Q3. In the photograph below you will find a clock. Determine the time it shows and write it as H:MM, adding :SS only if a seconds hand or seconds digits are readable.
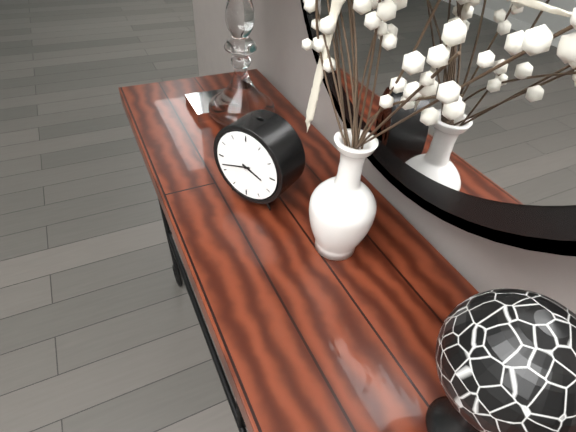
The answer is 3:42
